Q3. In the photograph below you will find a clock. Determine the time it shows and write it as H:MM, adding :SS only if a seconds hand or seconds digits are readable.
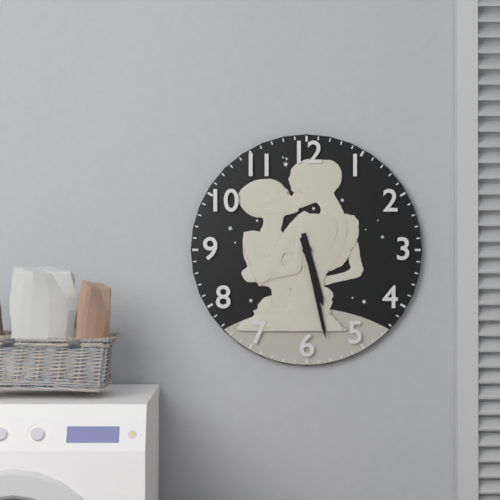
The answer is 5:28
